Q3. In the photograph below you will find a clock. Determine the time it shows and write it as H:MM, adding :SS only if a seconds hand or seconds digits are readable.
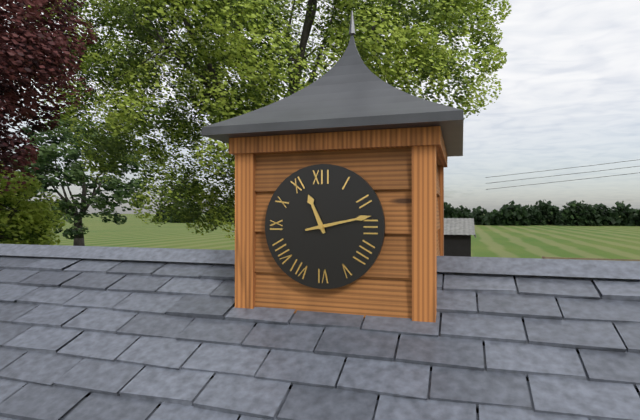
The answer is 11:13
